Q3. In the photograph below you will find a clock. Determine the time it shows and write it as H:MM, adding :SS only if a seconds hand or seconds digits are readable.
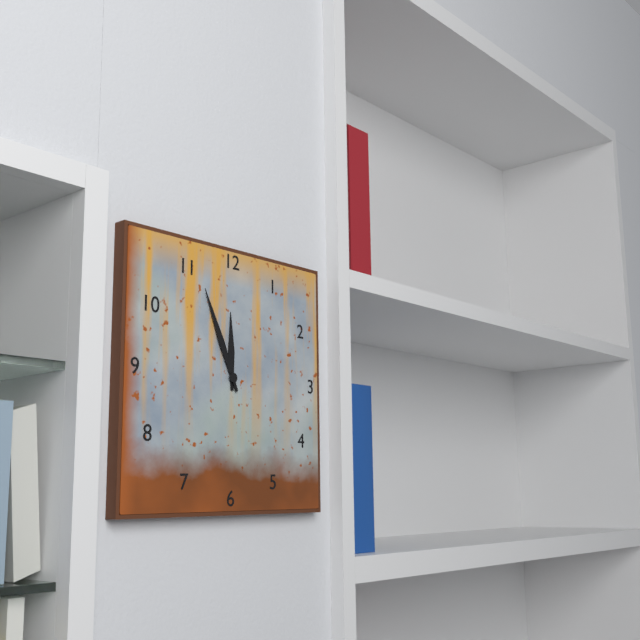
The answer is 11:56
